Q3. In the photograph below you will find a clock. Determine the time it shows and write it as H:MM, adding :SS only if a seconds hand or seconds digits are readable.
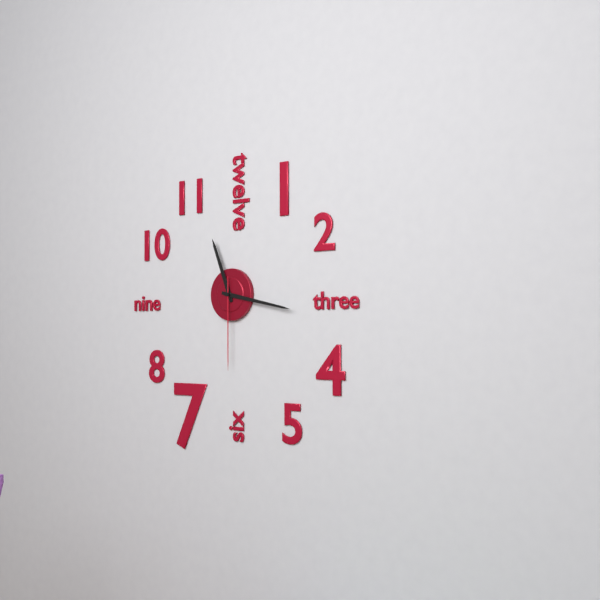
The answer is 11:17:30
